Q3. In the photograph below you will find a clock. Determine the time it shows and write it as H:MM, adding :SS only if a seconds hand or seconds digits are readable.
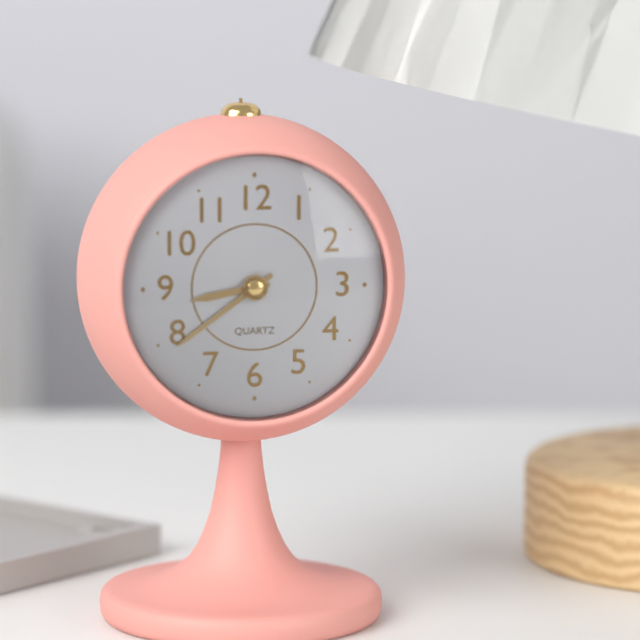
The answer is 8:39
